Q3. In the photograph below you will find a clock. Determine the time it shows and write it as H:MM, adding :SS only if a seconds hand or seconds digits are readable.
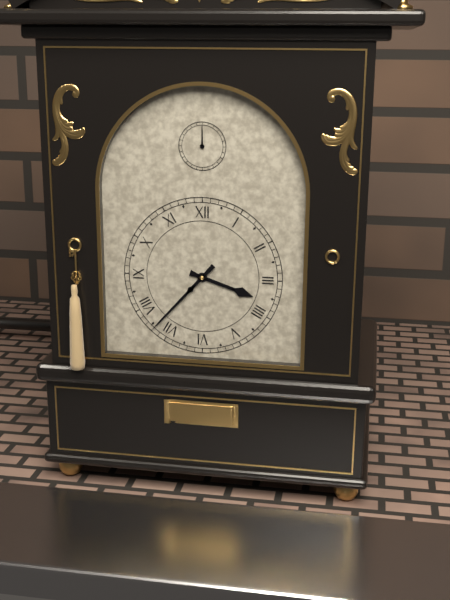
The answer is 3:37
